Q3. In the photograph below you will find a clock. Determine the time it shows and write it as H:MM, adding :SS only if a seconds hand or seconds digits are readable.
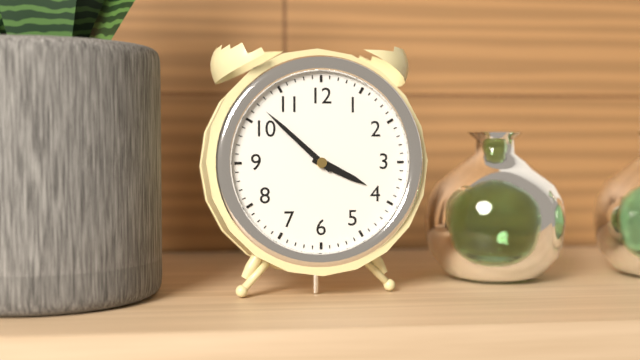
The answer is 3:52
